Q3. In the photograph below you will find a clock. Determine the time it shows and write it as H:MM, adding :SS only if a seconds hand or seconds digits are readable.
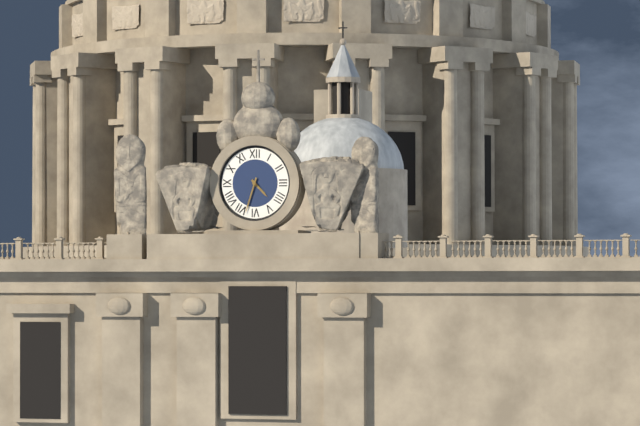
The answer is 4:33
